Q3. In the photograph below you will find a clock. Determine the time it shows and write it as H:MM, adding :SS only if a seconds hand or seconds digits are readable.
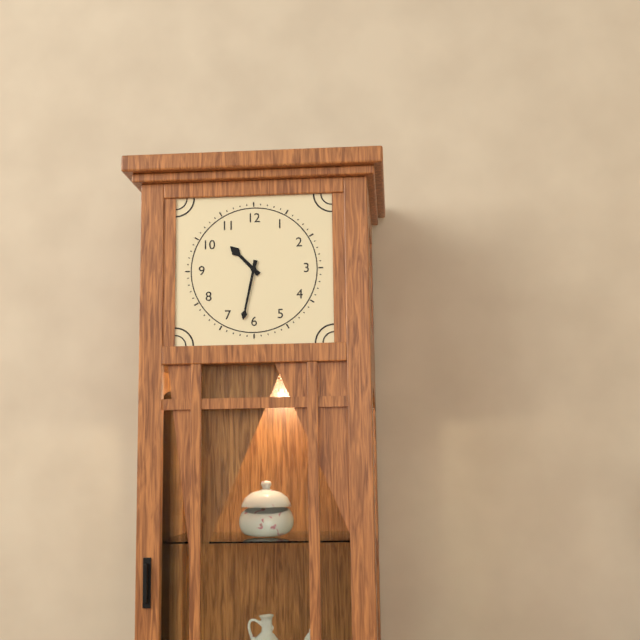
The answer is 10:32
